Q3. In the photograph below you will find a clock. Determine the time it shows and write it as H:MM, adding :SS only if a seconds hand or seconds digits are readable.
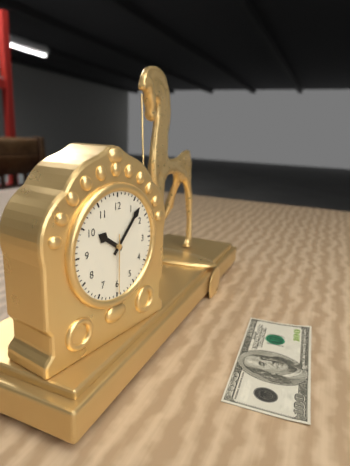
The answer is 10:07:30
